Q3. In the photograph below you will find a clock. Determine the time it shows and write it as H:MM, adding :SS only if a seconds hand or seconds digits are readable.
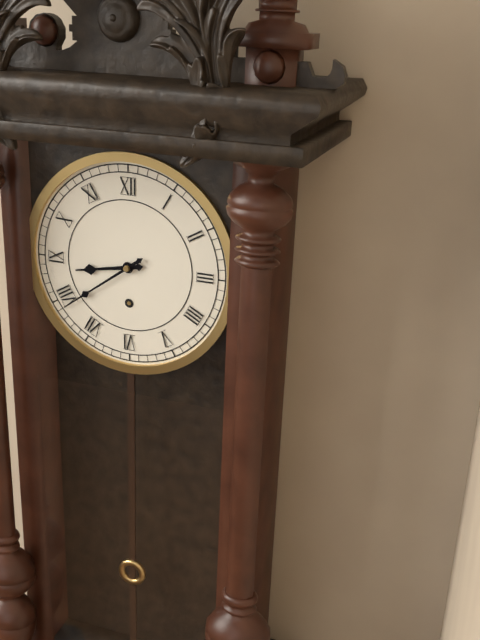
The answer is 8:39
